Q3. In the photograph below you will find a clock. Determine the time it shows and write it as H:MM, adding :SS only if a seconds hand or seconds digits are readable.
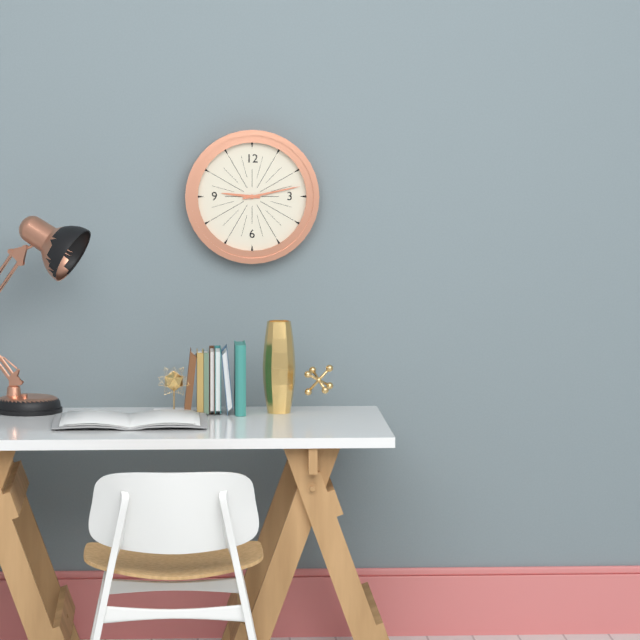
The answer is 9:13
